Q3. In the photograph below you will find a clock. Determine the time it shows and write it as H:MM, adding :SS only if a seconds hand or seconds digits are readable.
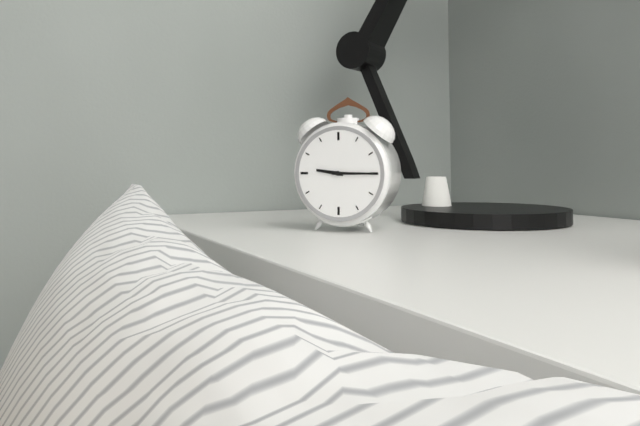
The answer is 9:15
